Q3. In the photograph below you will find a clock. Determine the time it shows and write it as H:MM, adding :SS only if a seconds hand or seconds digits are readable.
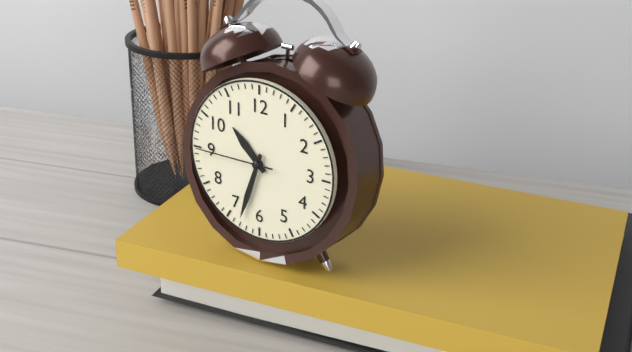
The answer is 10:33:45
